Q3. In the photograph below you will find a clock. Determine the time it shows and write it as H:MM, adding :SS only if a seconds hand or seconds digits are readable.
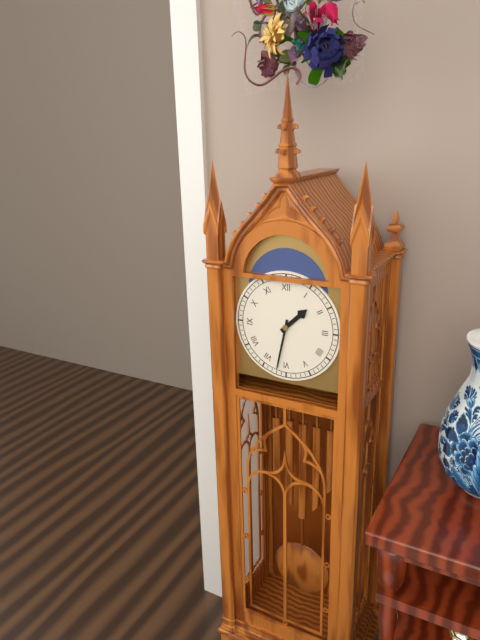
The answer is 1:32
